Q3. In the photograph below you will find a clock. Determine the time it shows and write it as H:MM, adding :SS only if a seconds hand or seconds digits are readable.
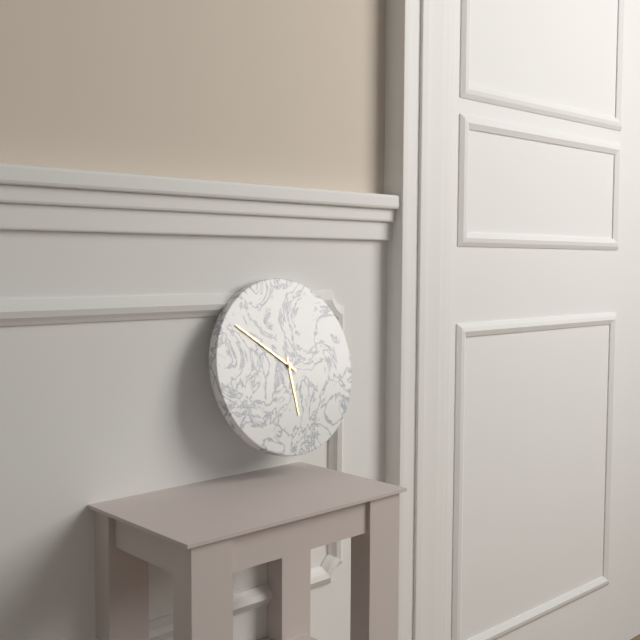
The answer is 5:51
